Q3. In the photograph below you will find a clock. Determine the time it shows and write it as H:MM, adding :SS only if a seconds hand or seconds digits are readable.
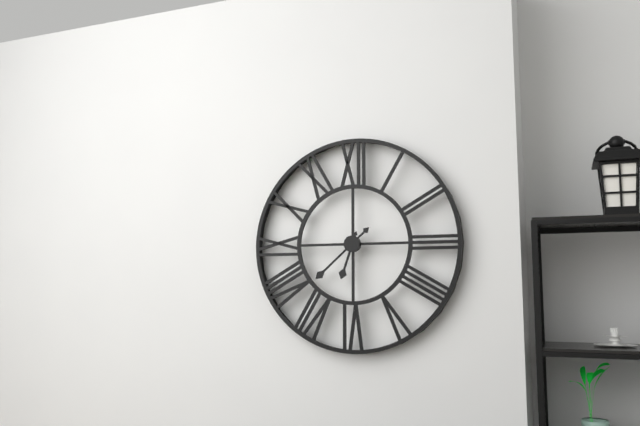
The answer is 6:38
